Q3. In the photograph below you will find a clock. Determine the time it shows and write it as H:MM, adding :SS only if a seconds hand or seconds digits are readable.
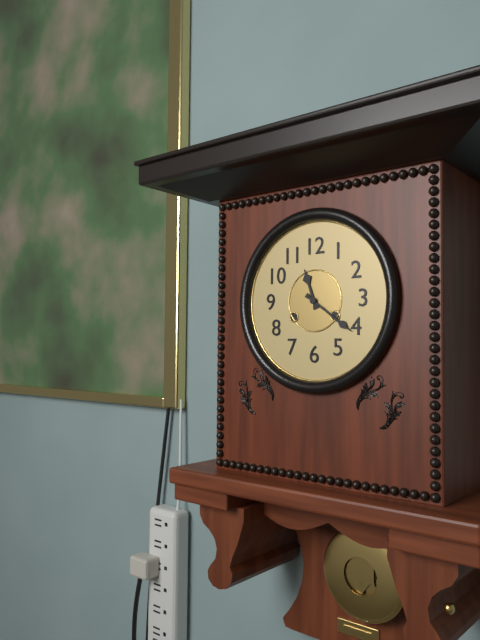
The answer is 11:21
